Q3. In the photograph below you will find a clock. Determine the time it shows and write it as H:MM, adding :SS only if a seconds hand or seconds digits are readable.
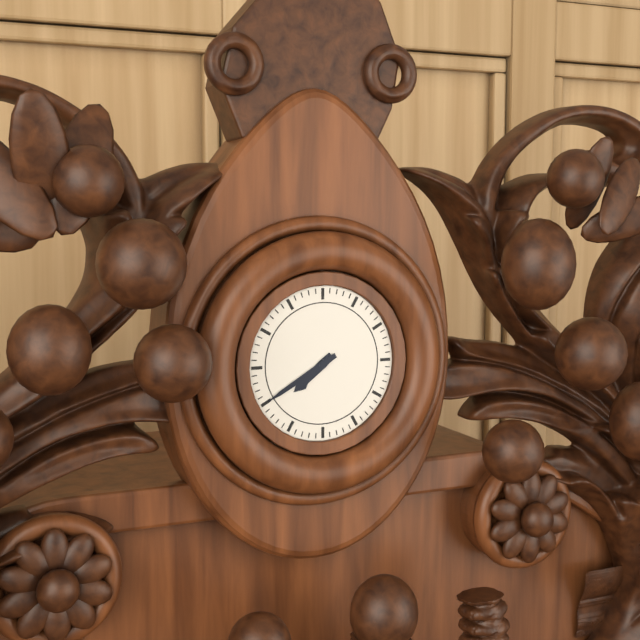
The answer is 7:40
